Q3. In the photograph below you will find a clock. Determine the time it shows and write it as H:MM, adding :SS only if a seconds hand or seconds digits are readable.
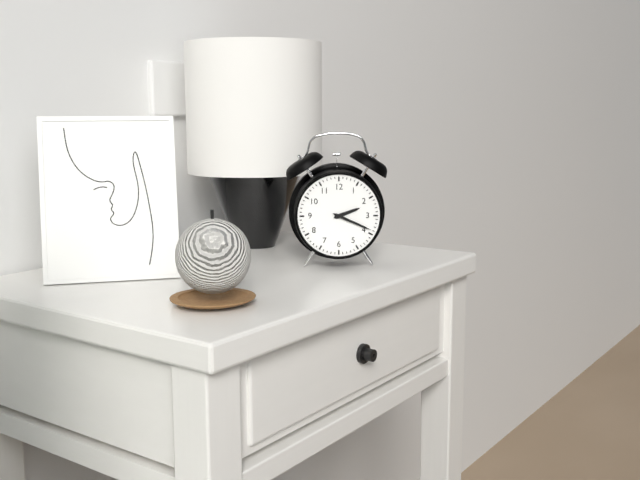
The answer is 2:19
